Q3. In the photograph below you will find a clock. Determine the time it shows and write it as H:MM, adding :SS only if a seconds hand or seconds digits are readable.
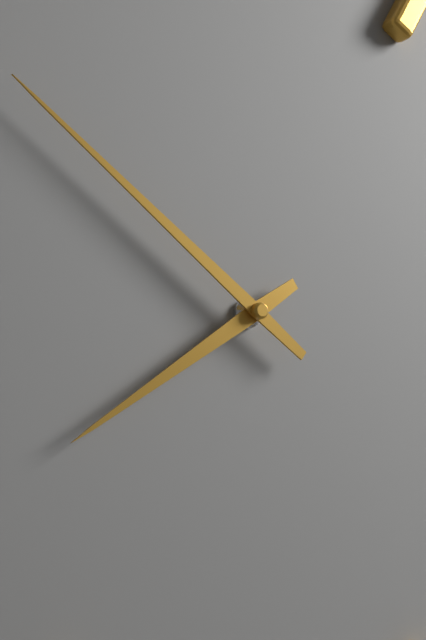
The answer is 7:51
